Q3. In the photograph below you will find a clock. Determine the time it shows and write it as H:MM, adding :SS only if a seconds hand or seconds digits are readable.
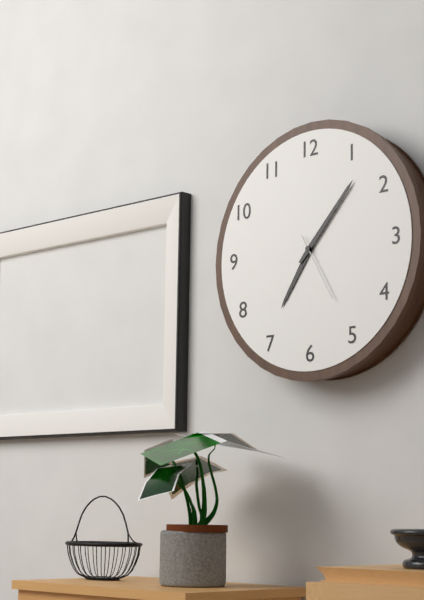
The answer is 7:07:25
